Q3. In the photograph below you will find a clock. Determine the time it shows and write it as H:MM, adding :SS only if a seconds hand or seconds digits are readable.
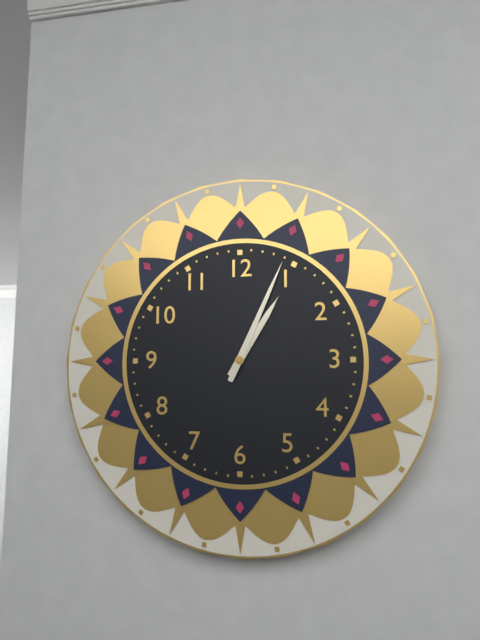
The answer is 1:04
